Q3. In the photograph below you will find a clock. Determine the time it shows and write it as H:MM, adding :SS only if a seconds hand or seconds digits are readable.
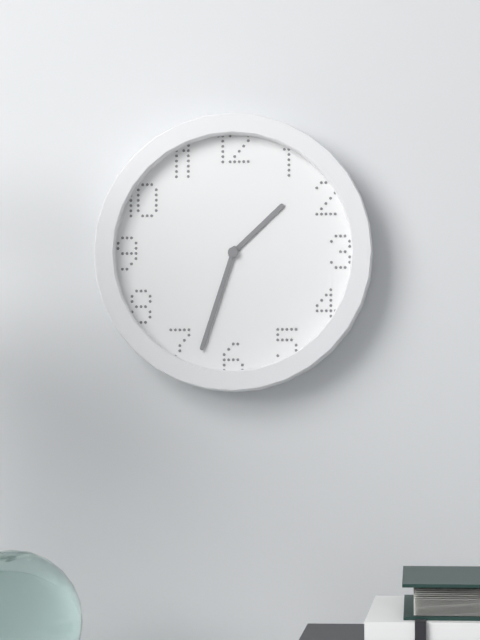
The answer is 1:33
